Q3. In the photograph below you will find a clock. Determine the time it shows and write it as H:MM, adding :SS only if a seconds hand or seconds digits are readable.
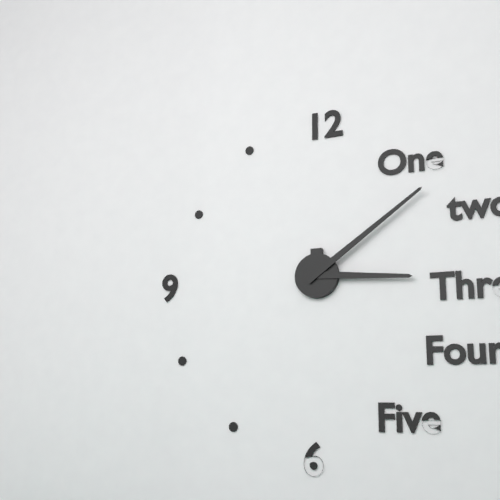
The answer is 3:09
